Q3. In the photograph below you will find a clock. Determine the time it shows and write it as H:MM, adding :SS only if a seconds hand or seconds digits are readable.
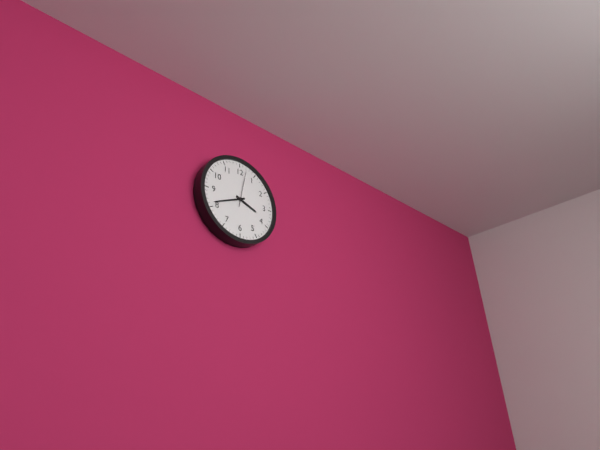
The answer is 3:41
